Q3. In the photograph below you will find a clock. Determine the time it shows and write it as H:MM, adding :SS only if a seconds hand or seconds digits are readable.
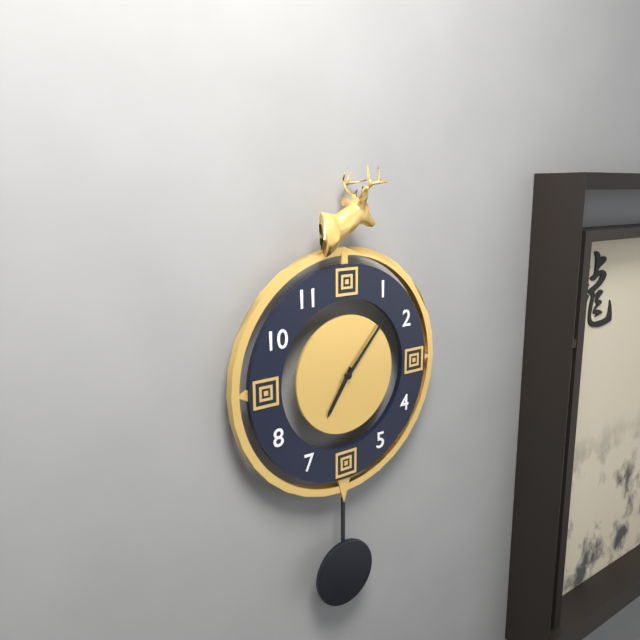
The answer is 7:07
